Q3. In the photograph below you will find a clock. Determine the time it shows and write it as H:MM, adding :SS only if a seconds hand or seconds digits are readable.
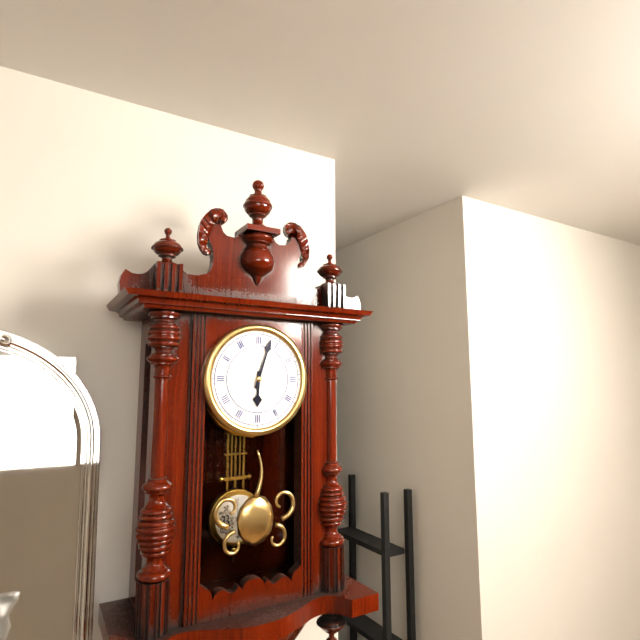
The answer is 6:03
